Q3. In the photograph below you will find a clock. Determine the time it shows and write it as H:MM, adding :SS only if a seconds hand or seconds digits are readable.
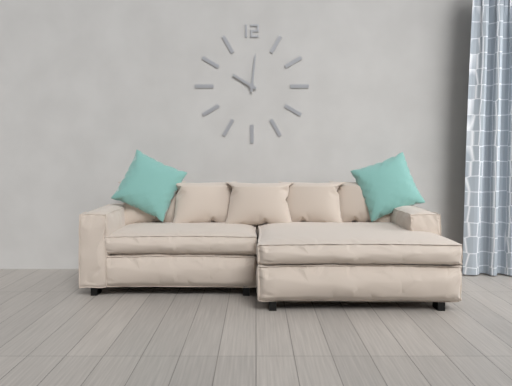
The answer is 10:01
